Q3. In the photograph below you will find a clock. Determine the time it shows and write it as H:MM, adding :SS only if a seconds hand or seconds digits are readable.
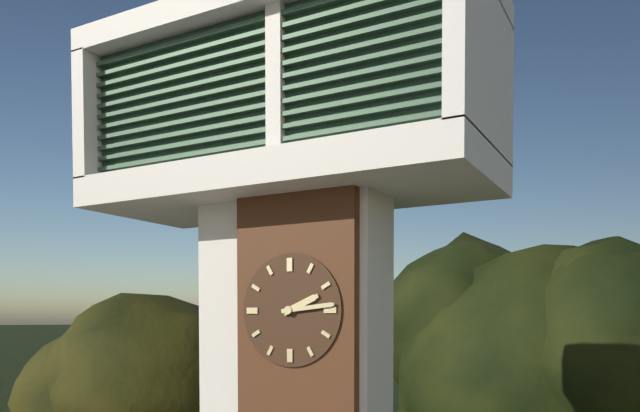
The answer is 2:14
